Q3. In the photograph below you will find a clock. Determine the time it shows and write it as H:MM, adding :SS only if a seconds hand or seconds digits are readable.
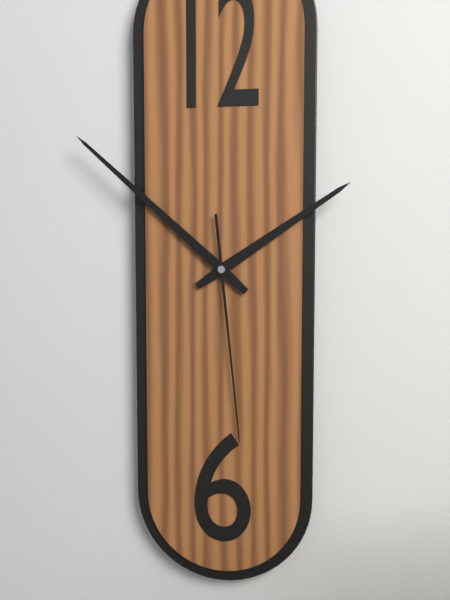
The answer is 1:52:29
